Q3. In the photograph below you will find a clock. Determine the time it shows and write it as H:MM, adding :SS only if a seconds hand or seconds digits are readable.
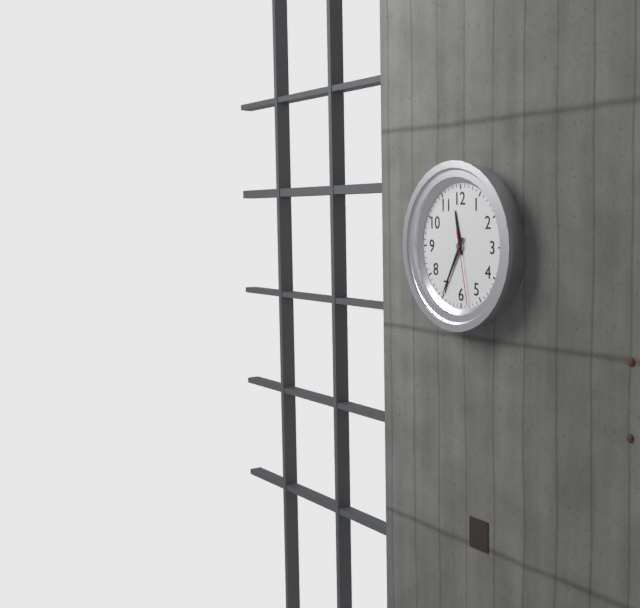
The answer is 11:35:28
